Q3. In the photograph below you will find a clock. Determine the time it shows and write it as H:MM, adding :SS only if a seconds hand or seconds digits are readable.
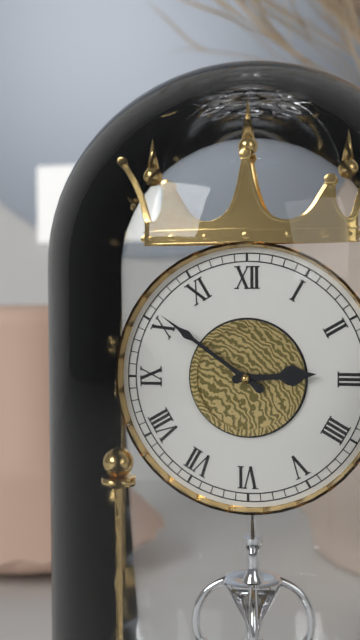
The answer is 2:51
